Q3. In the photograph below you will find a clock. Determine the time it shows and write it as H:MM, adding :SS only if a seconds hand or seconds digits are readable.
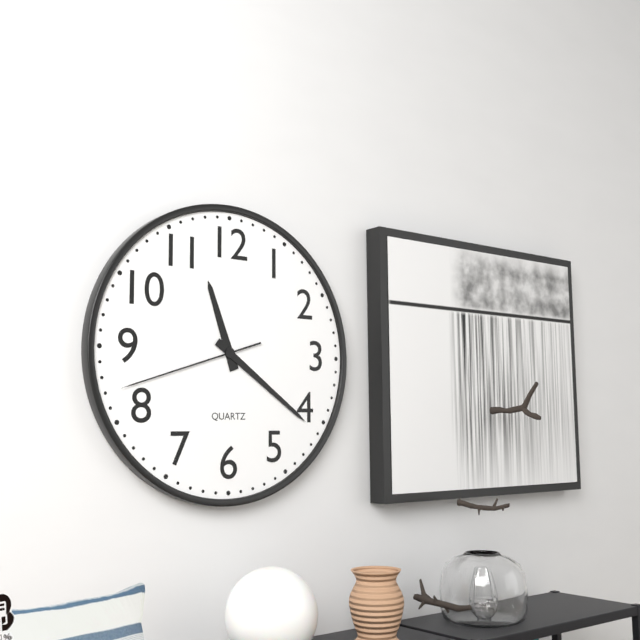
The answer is 11:21:42
